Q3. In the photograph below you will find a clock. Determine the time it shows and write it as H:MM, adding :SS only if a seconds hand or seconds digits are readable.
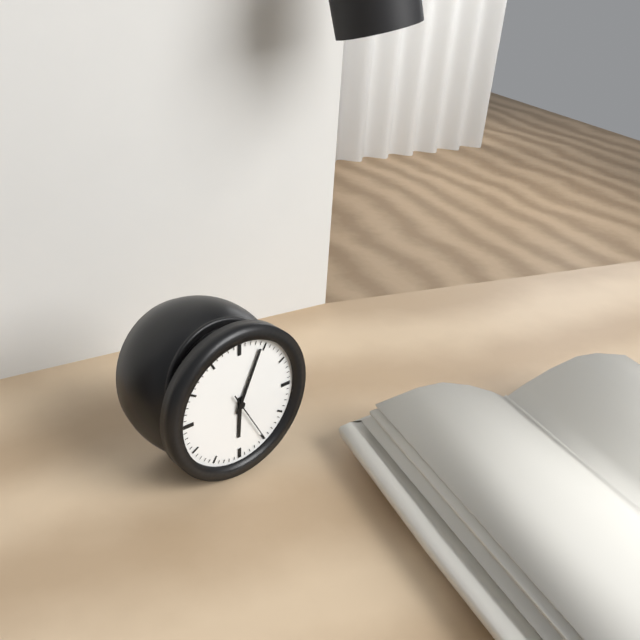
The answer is 6:04:25
